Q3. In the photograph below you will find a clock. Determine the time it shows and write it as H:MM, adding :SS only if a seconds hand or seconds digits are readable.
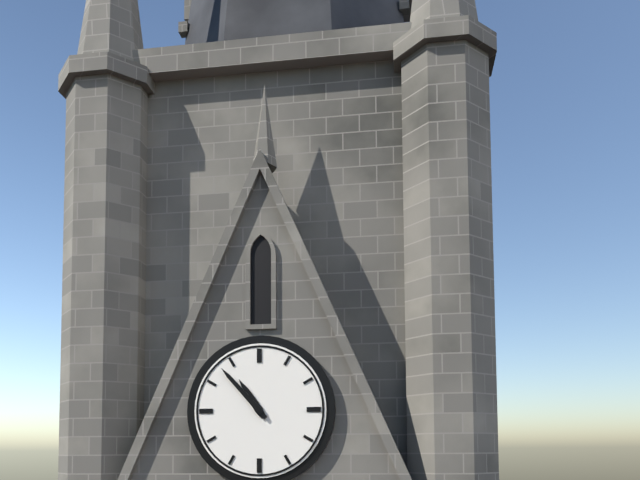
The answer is 10:53
